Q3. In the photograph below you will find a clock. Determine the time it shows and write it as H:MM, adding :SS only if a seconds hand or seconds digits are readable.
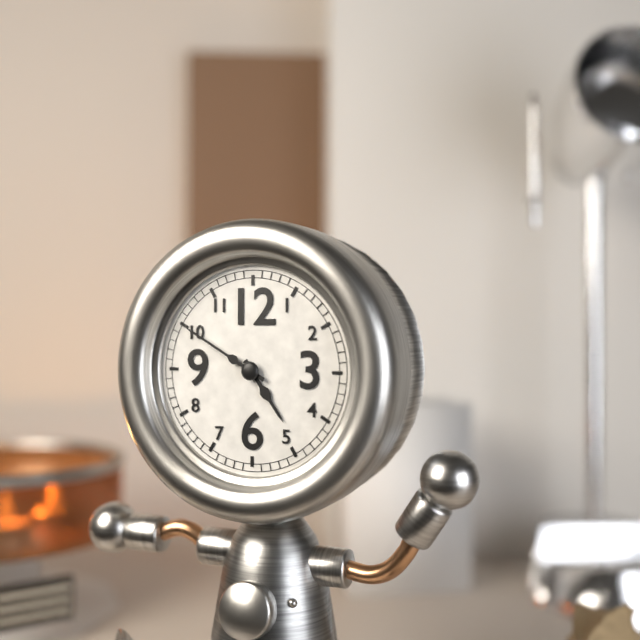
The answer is 4:50
